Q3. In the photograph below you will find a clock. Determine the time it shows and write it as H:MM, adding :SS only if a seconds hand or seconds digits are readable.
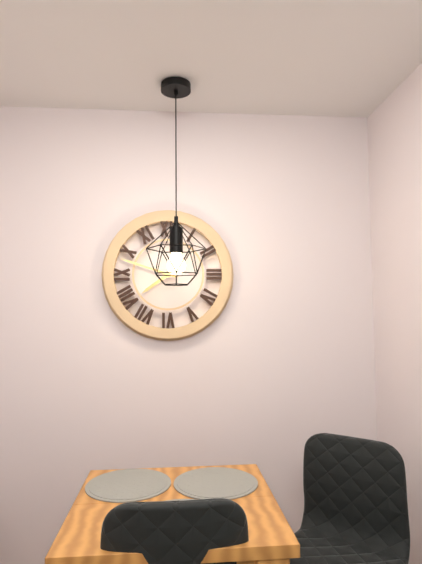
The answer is 7:48
